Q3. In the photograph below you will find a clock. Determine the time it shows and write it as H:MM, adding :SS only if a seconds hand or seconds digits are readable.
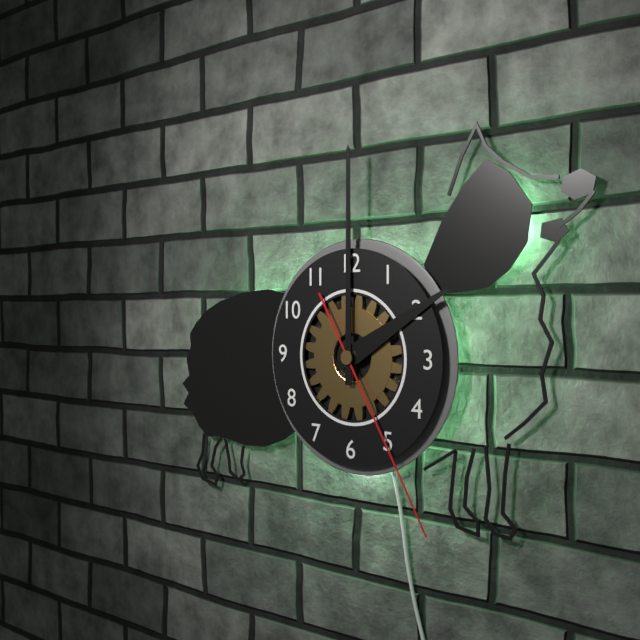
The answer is 2:00:25
